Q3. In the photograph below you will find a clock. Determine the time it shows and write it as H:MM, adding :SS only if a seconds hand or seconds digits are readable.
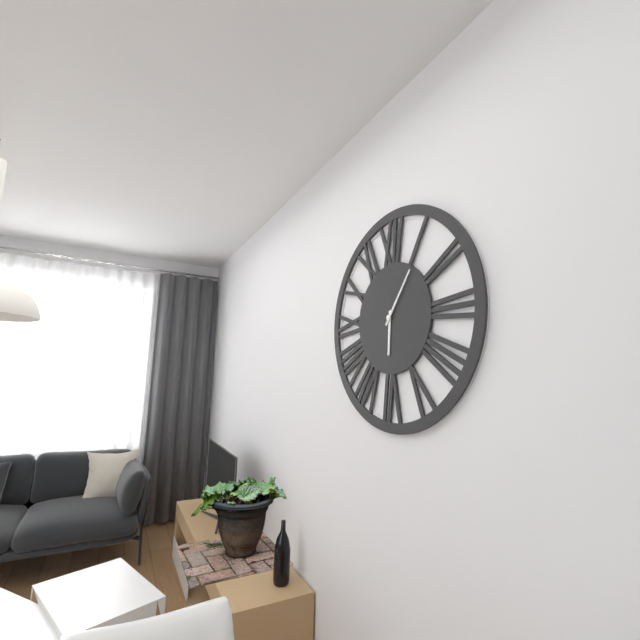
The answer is 6:06
